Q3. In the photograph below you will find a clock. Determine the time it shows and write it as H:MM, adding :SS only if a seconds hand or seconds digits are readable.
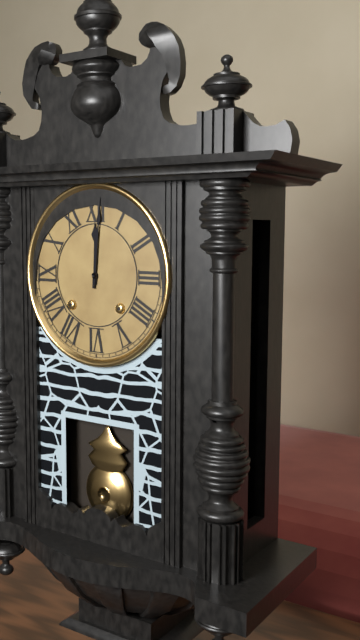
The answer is 12:01
